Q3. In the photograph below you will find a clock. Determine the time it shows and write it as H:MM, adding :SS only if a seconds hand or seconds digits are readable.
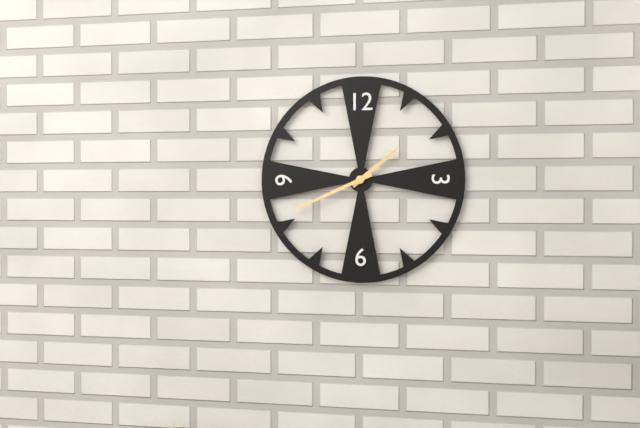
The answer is 1:41
